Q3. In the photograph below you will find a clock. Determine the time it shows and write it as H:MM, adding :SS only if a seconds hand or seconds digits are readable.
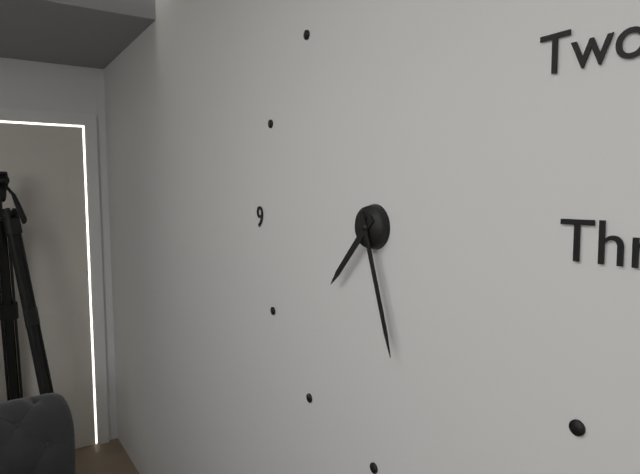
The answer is 7:27
